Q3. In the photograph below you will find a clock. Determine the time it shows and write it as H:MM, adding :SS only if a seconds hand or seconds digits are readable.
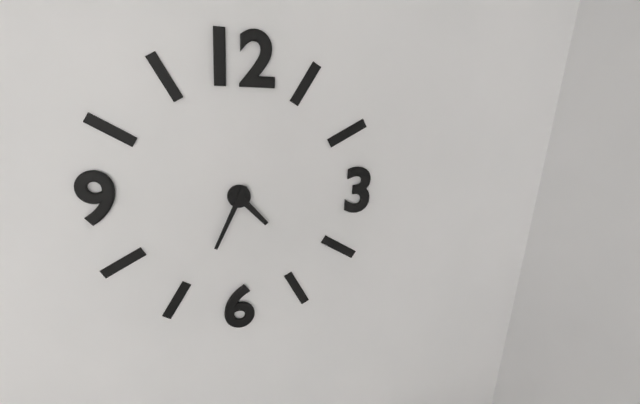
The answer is 4:34
